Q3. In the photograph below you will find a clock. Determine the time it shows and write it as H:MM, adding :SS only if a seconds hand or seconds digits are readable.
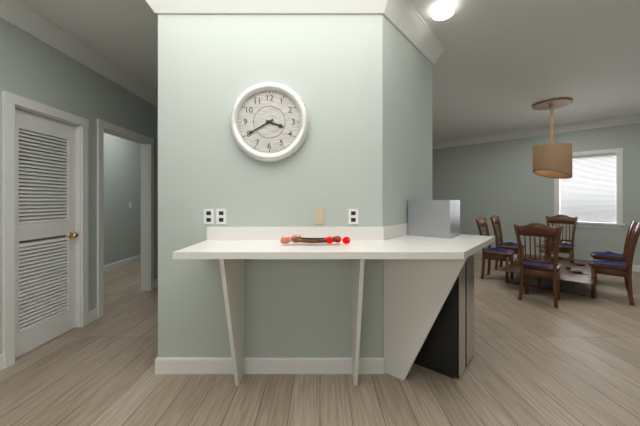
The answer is 3:40
